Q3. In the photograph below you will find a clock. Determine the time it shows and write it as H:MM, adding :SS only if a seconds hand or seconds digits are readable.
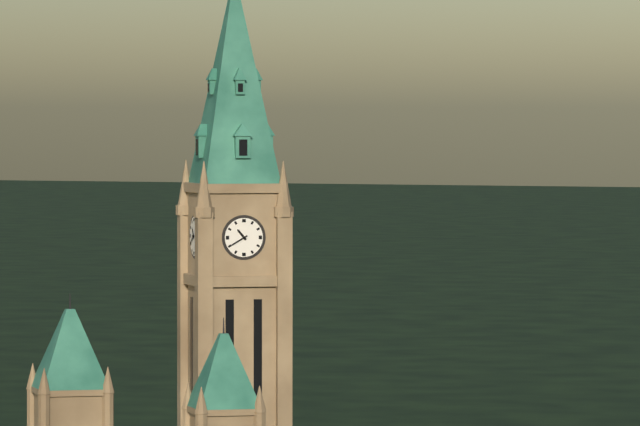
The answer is 10:40
